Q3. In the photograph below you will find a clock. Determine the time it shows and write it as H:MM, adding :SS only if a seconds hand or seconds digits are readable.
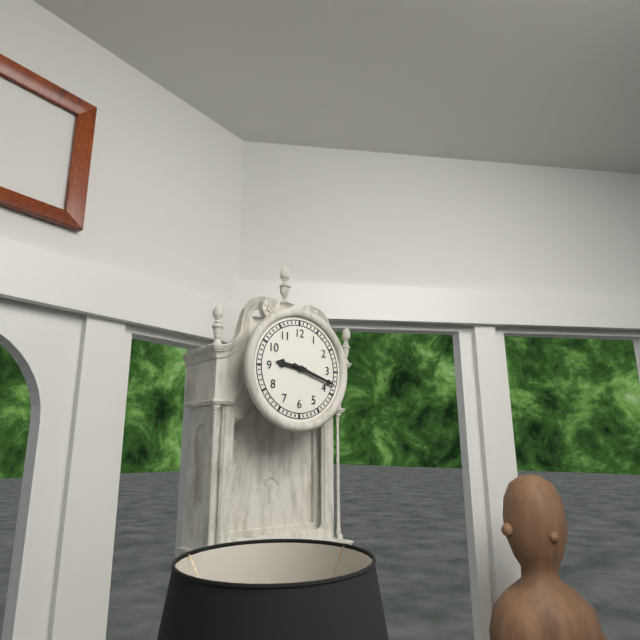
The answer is 9:18
